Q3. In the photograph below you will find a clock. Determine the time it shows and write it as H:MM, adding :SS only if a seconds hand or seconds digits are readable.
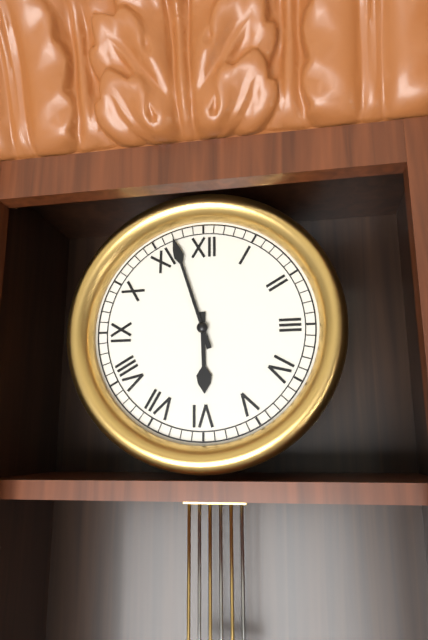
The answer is 5:57
